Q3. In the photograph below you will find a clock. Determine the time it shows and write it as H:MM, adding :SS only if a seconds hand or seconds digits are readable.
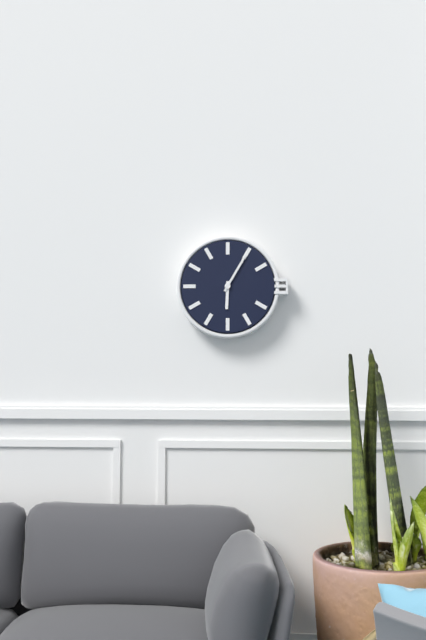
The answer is 6:05
